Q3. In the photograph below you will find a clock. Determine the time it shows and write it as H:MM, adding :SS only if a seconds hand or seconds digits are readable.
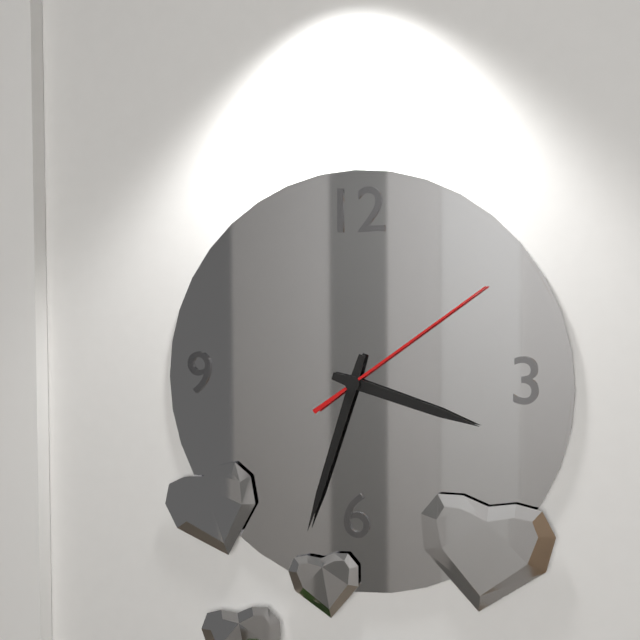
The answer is 3:33:09
